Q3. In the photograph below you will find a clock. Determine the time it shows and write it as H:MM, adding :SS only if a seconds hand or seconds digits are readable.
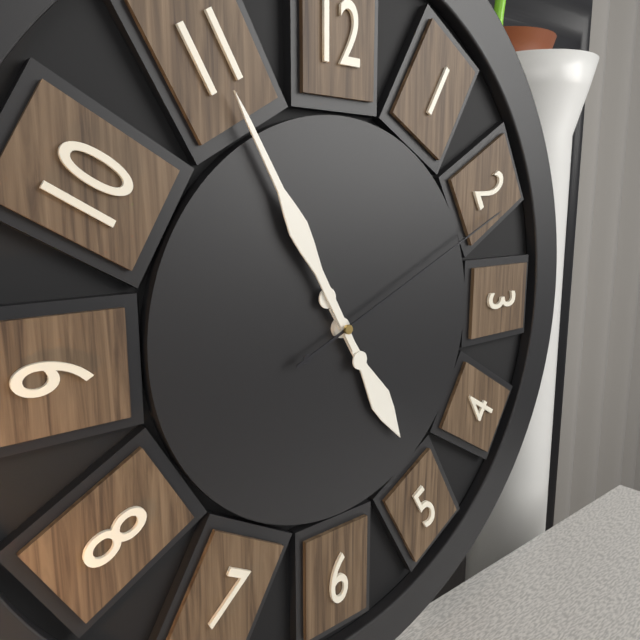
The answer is 4:55:11
